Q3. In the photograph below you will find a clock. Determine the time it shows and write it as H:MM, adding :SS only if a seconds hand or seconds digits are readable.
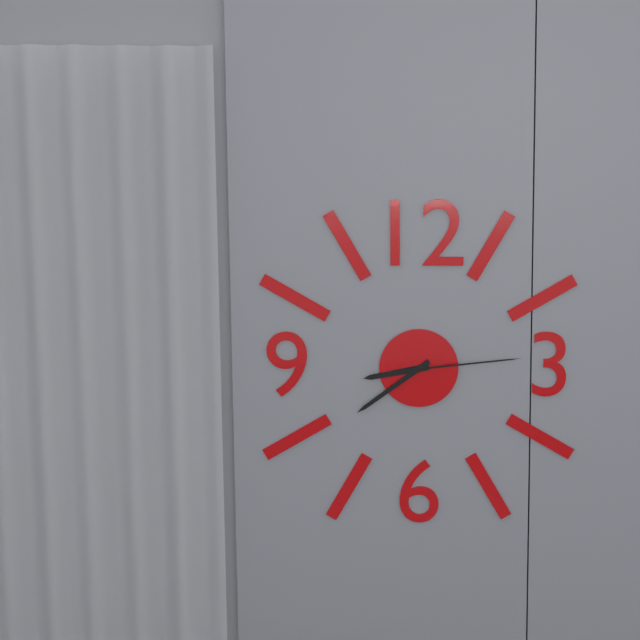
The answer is 8:39:14
